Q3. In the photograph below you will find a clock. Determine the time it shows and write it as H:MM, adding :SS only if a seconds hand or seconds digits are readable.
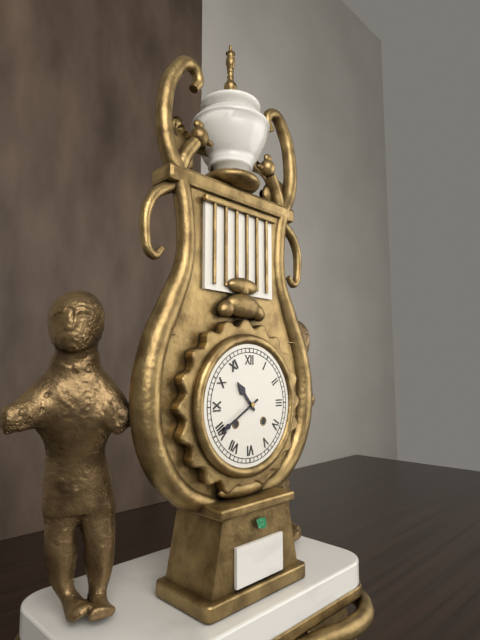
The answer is 10:40
